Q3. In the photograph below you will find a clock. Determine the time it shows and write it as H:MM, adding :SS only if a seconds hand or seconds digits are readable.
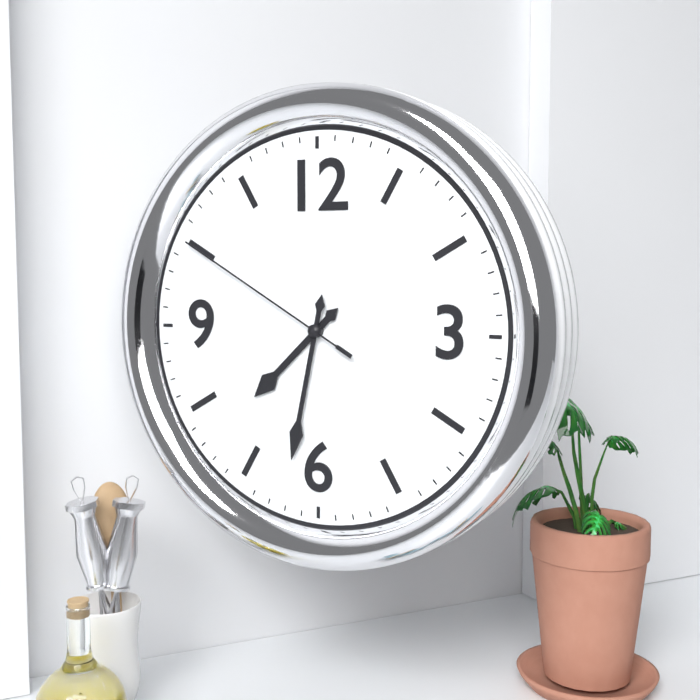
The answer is 7:32:50
